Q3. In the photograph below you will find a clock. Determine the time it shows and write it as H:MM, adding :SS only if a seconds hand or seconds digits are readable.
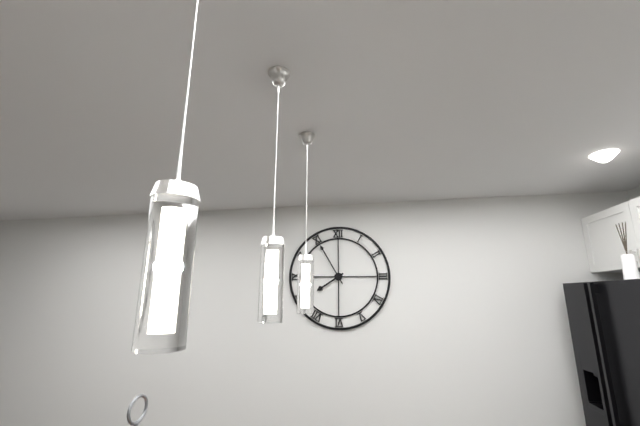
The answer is 7:55
